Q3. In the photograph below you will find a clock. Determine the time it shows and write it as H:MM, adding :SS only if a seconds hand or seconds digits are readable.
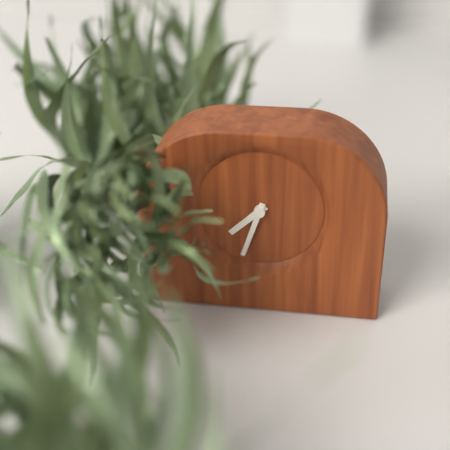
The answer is 7:33
